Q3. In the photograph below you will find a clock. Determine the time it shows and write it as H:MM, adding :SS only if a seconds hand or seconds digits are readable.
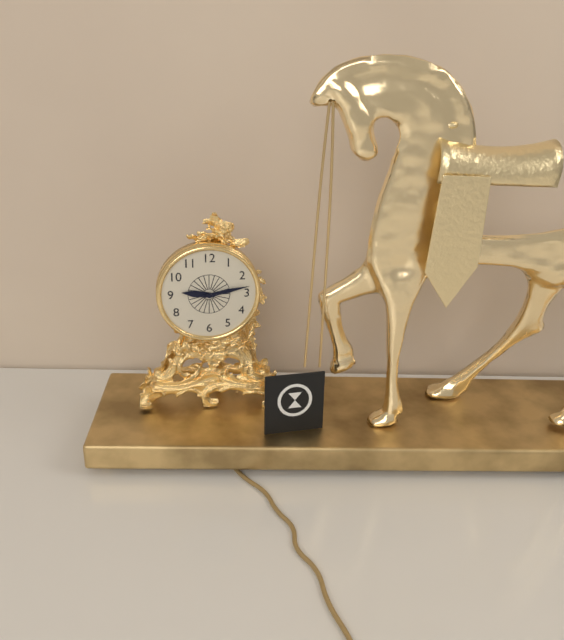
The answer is 9:13
